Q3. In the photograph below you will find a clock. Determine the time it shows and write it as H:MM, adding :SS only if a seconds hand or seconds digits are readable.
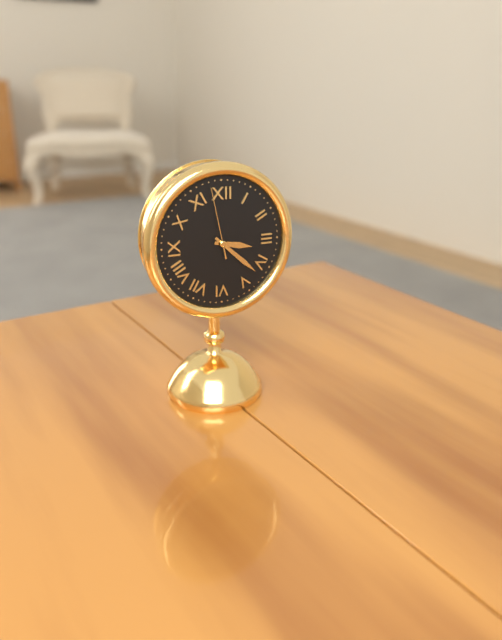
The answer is 3:22:58
